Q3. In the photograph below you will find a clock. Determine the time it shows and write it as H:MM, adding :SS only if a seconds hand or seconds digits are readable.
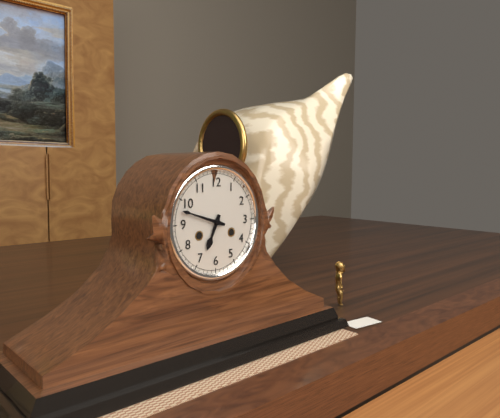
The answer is 6:48
